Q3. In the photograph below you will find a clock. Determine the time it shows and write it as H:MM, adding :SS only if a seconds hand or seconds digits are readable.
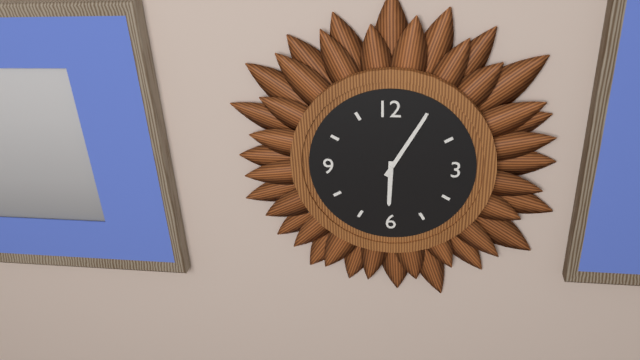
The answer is 6:05
